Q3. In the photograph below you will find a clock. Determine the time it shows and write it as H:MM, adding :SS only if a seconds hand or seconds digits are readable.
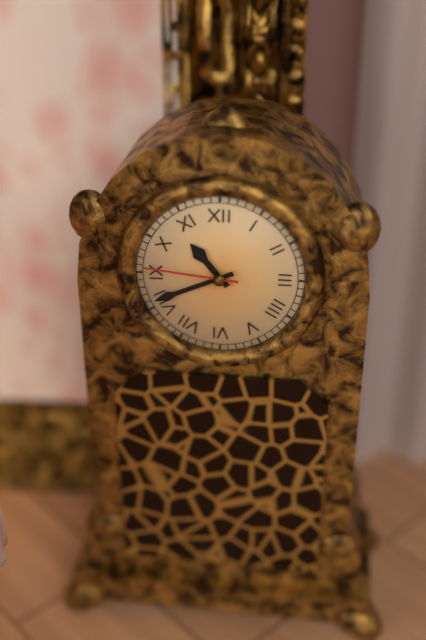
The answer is 10:41:46
